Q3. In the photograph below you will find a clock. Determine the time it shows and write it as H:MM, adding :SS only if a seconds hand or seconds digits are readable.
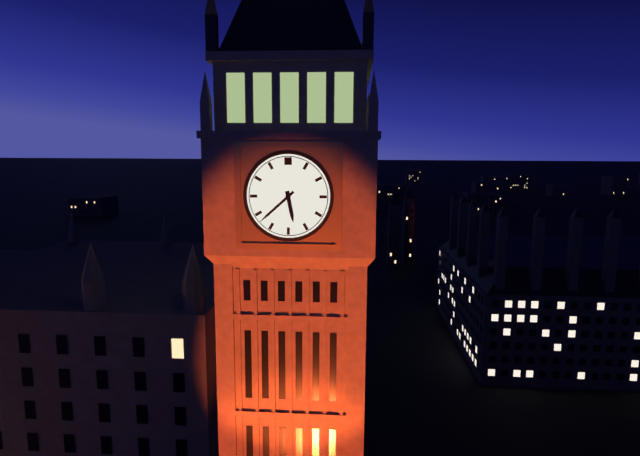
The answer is 5:38
